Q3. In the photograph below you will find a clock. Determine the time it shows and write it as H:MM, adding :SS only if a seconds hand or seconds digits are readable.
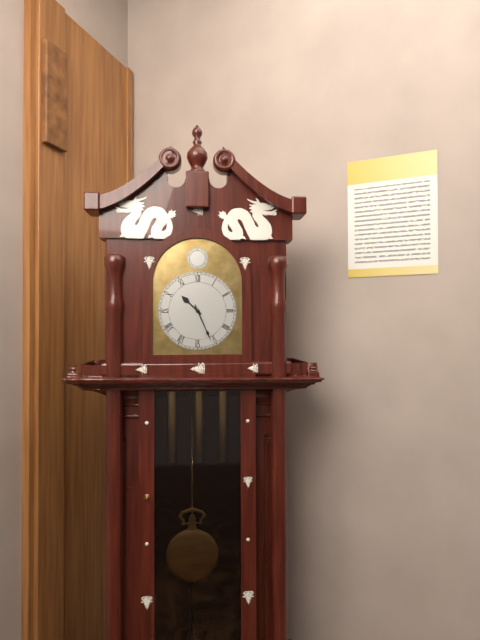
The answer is 10:26
